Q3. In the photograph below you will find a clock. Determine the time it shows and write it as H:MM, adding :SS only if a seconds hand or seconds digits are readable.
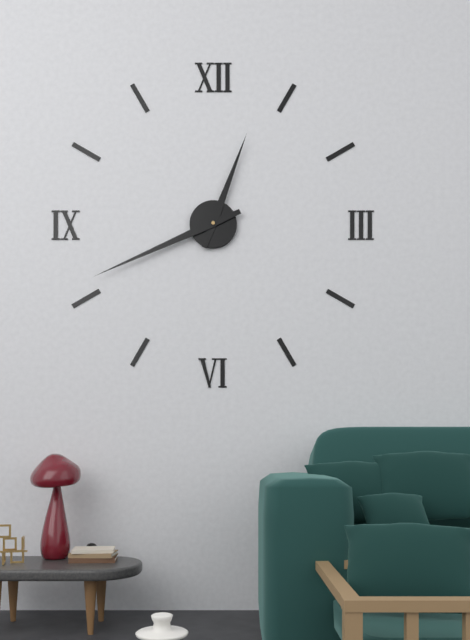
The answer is 12:41
